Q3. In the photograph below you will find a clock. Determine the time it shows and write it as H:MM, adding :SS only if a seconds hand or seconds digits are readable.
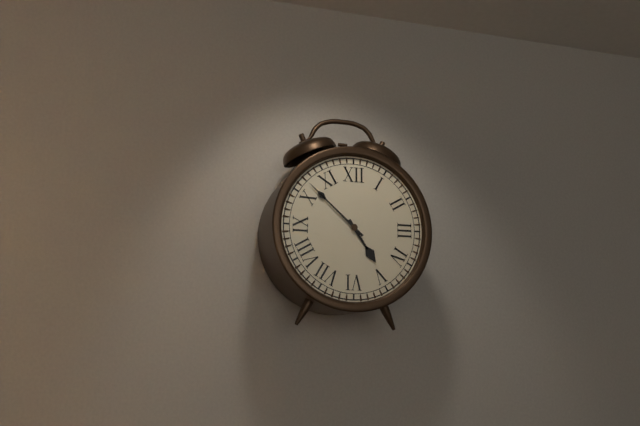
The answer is 4:52
